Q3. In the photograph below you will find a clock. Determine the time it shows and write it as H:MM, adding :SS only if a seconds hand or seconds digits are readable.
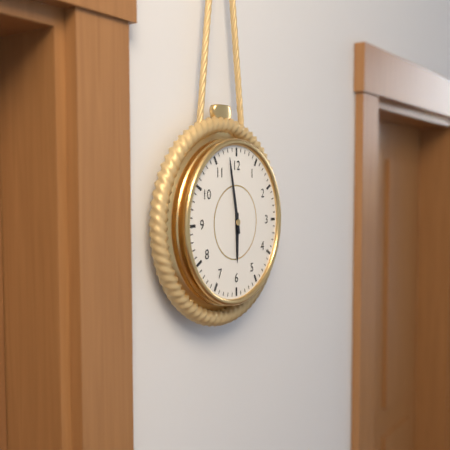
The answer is 5:58
